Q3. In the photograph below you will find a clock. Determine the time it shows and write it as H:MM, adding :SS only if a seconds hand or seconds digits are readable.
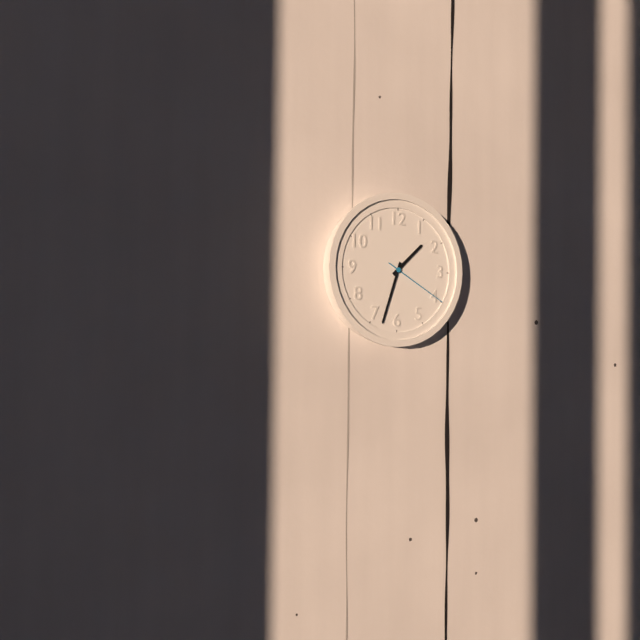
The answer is 1:33:20
